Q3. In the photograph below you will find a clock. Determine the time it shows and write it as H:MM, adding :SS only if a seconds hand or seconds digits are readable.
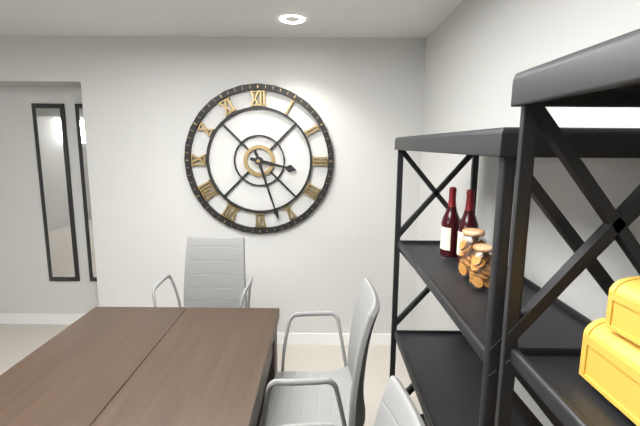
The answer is 3:27
